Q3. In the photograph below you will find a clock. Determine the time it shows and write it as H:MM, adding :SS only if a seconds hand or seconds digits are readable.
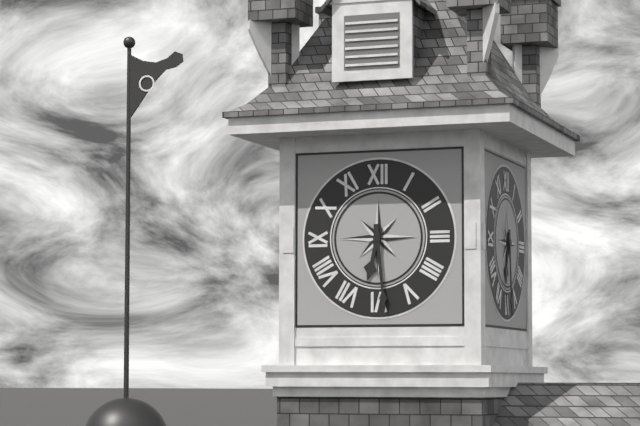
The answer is 6:29
